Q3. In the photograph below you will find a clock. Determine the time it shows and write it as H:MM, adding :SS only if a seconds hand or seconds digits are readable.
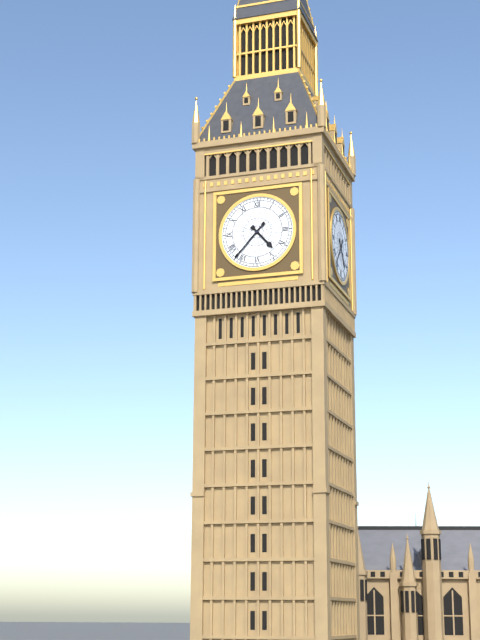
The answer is 4:37
